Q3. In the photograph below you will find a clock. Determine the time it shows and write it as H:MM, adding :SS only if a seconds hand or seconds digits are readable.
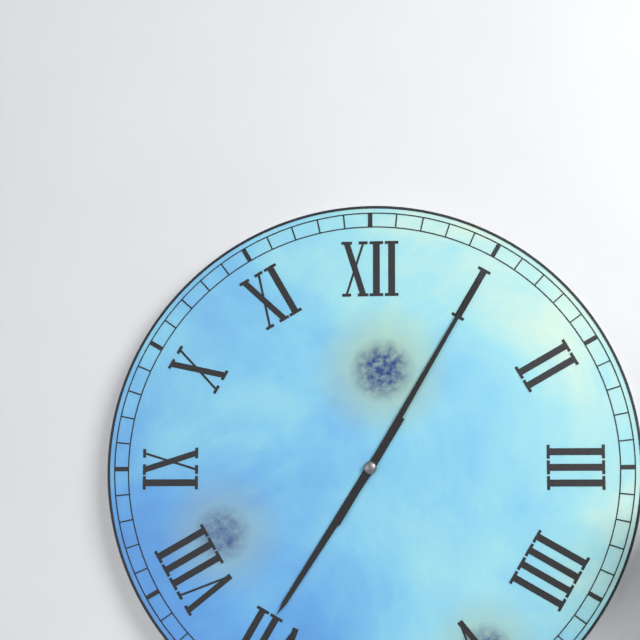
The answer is 7:05
